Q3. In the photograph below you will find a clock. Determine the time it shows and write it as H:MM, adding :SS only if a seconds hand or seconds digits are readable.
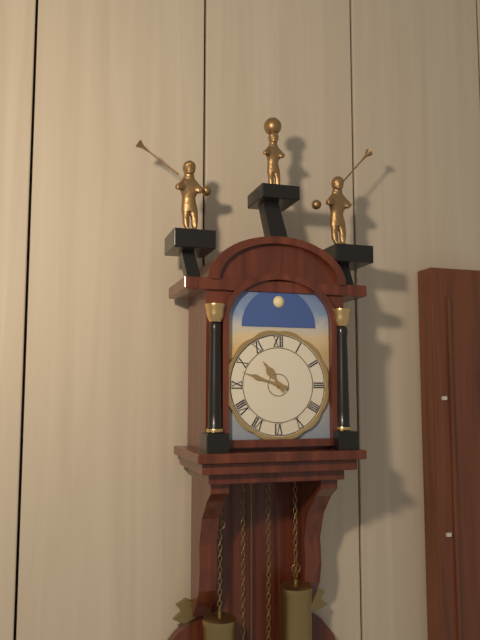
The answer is 10:48
